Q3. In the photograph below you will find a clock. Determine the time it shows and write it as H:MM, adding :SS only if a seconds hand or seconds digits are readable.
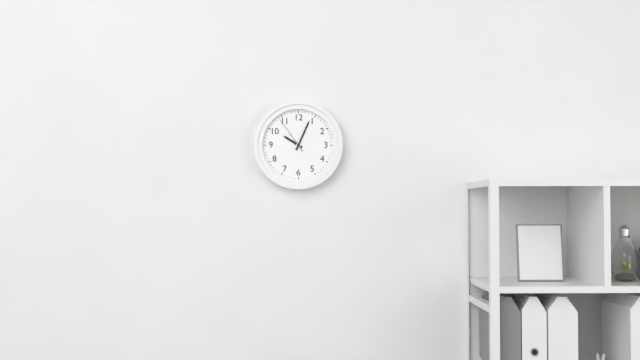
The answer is 10:04
